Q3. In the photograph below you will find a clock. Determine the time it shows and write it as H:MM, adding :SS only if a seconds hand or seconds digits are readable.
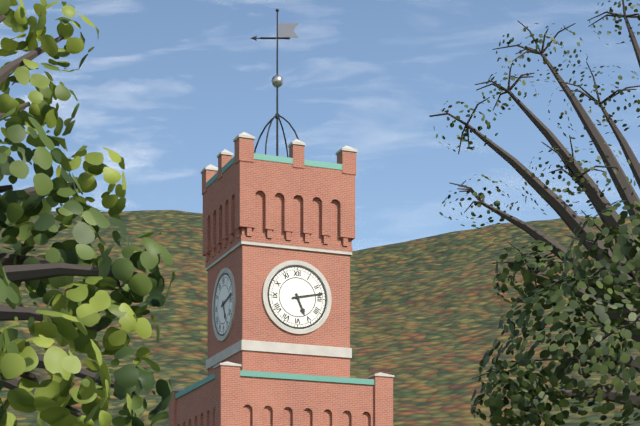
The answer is 5:13
